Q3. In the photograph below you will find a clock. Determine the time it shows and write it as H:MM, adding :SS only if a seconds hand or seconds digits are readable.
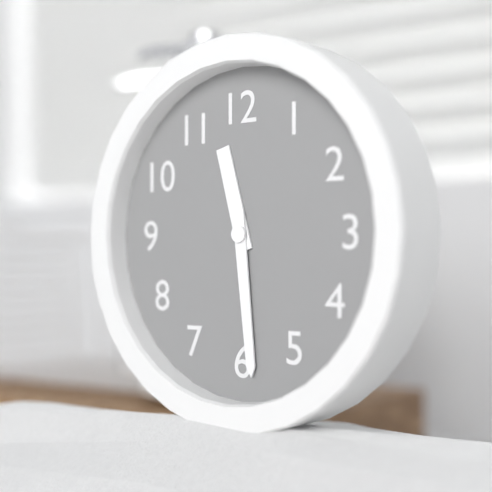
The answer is 11:29
